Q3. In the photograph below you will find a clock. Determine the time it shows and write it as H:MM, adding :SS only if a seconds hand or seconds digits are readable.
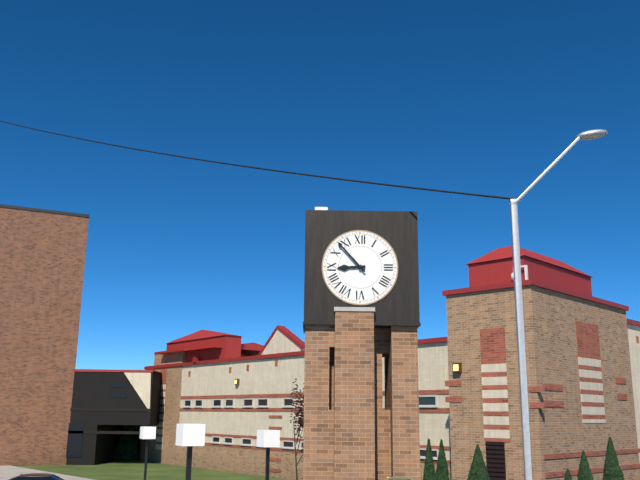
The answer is 8:53
